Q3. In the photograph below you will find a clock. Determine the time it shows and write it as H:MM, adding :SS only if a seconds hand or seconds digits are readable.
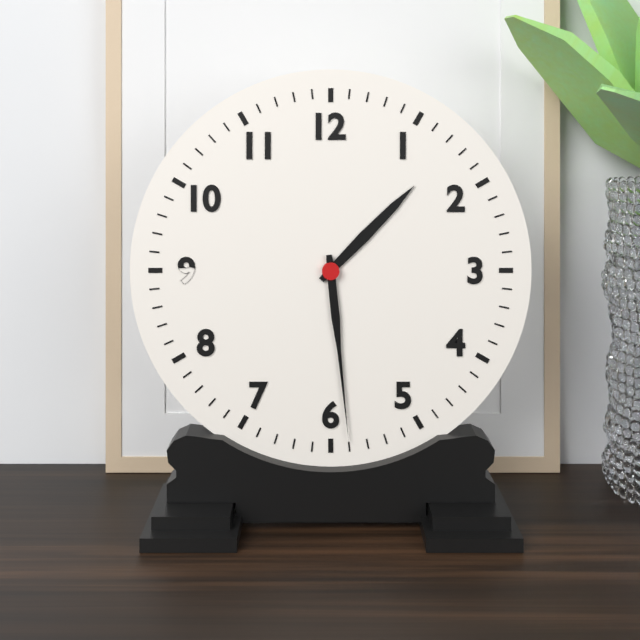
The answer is 1:29
